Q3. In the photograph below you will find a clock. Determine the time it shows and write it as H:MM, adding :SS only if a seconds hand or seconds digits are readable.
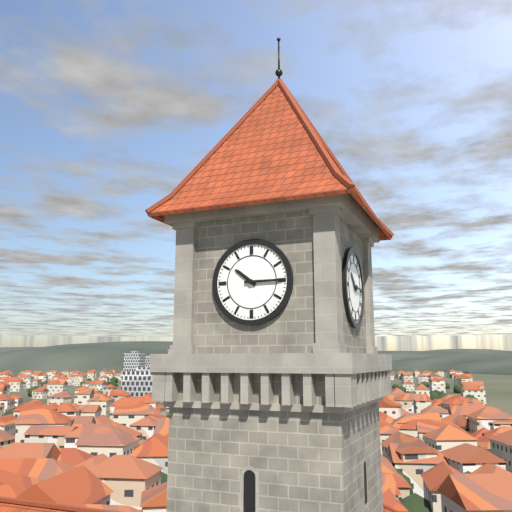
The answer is 10:15
